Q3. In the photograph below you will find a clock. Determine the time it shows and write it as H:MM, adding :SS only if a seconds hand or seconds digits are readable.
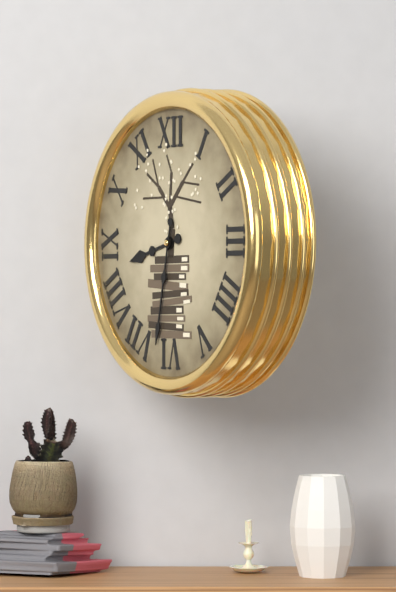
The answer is 8:32
